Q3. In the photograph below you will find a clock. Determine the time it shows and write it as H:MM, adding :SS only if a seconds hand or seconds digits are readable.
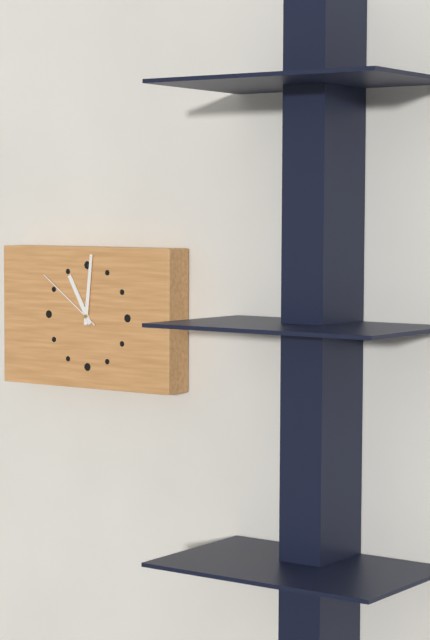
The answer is 11:01:51
